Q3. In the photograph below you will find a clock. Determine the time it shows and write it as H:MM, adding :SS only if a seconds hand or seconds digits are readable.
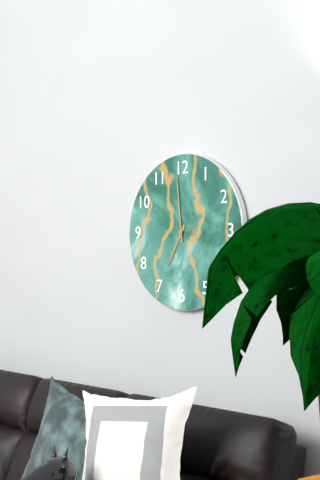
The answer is 6:59
